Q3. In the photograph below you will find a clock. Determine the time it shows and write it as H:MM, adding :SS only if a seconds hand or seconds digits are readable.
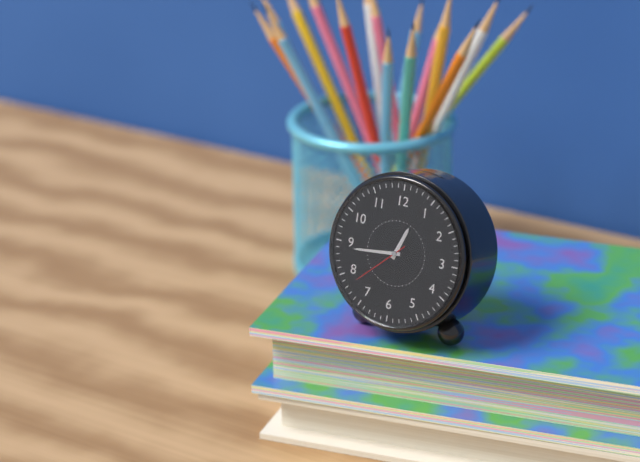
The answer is 12:44:38
